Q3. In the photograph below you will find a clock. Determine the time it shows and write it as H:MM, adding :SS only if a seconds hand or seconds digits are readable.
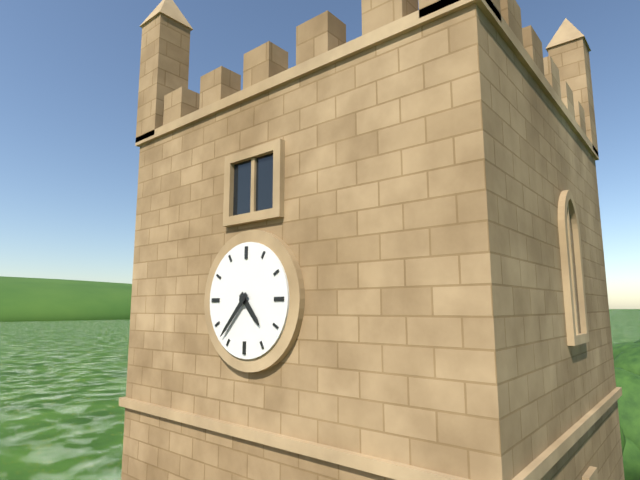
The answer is 4:37
